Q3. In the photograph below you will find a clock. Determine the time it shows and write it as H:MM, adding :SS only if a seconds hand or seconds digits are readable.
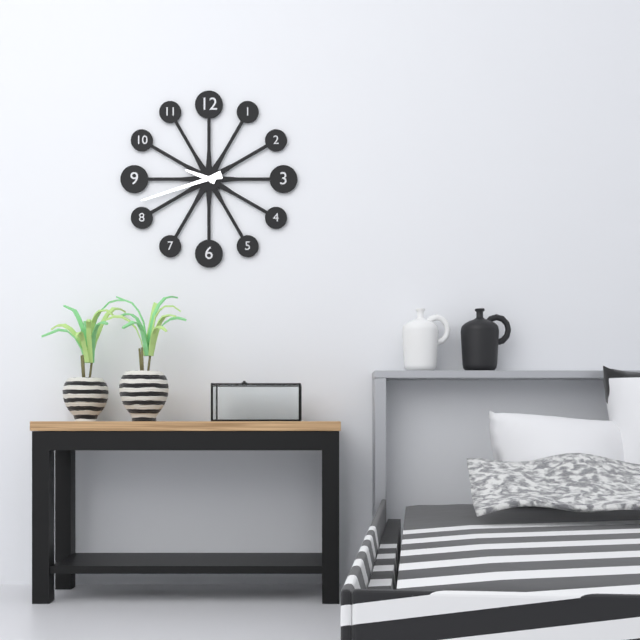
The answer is 9:42
